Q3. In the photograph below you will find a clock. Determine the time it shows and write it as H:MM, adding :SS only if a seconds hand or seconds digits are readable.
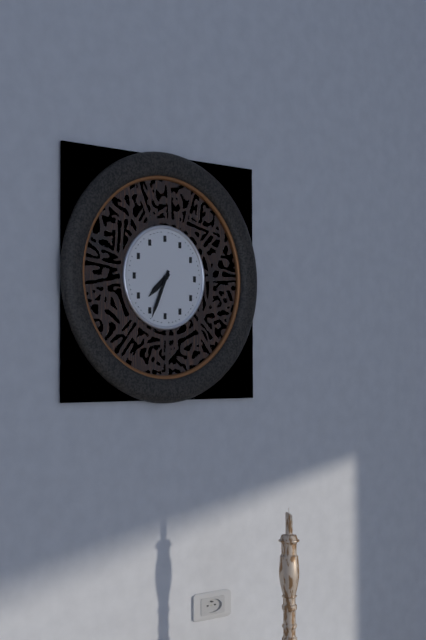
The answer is 7:34
